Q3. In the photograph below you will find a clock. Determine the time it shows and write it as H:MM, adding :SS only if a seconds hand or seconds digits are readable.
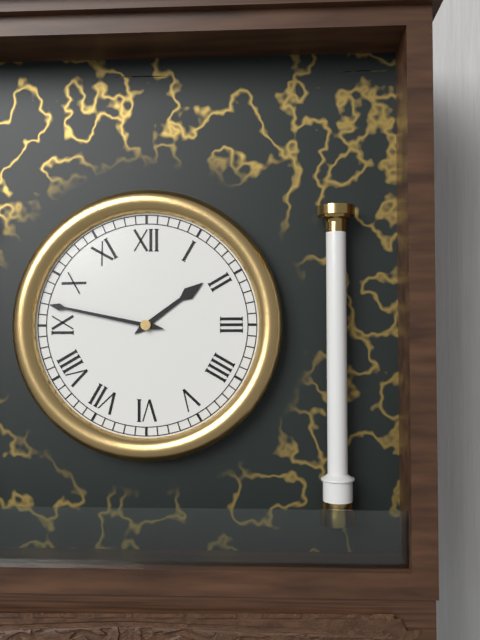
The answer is 1:47
